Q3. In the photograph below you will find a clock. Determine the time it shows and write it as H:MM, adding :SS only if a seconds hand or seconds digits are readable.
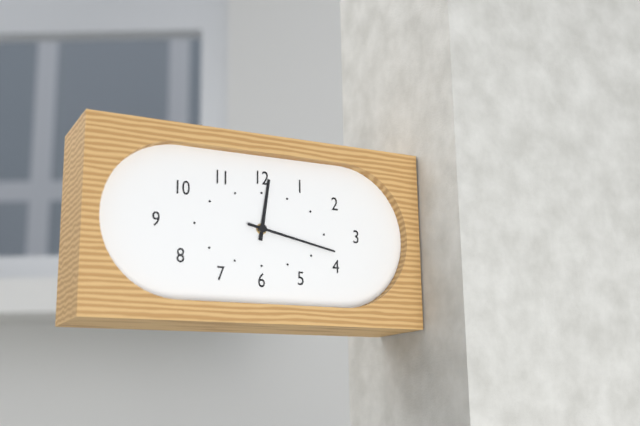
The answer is 12:17
